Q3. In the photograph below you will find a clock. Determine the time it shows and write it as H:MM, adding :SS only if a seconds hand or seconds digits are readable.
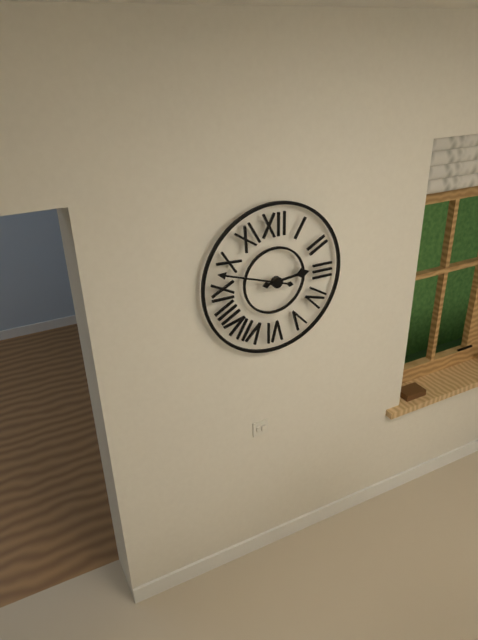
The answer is 2:48
